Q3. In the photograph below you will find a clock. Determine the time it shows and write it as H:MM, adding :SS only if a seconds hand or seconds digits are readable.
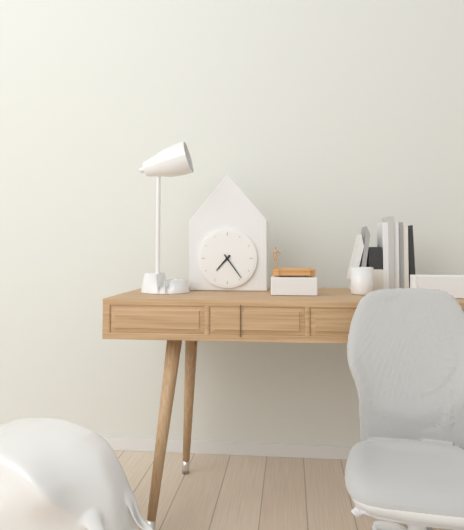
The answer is 7:24
